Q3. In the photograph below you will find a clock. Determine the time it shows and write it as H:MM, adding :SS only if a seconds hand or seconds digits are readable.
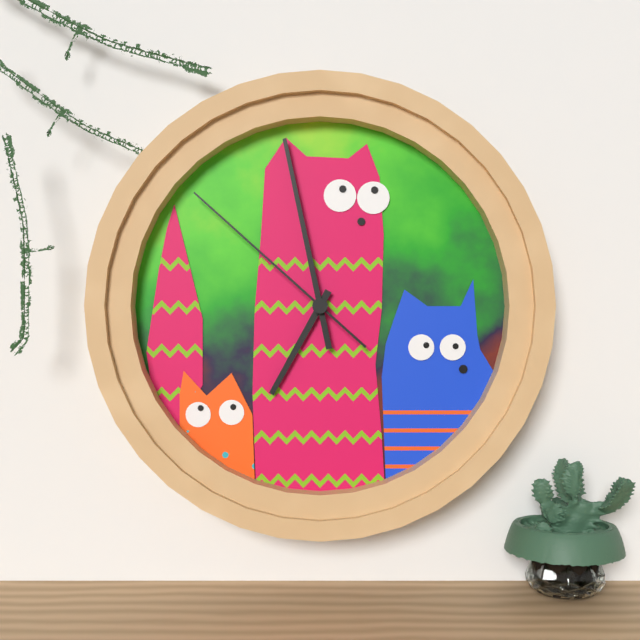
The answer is 6:58:52
